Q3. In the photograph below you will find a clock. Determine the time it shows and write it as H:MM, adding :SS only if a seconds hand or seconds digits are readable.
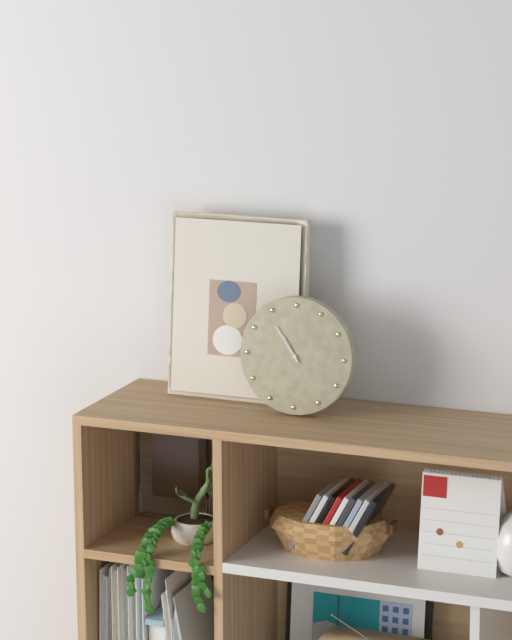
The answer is 10:54
